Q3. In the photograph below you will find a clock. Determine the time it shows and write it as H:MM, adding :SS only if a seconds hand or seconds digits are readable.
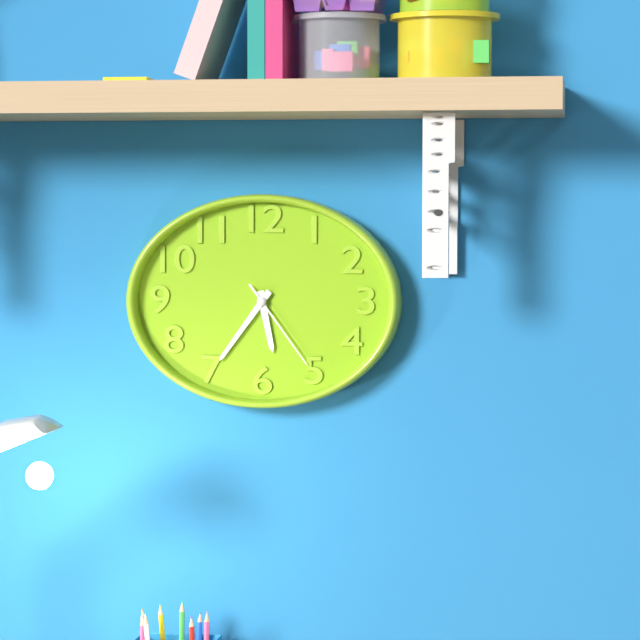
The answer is 5:36:24
